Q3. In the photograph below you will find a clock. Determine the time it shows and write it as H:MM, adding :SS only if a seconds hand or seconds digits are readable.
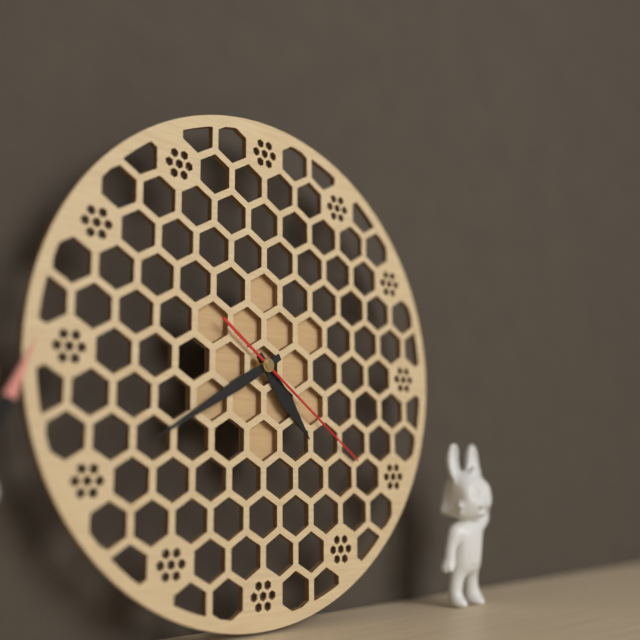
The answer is 4:40:21
